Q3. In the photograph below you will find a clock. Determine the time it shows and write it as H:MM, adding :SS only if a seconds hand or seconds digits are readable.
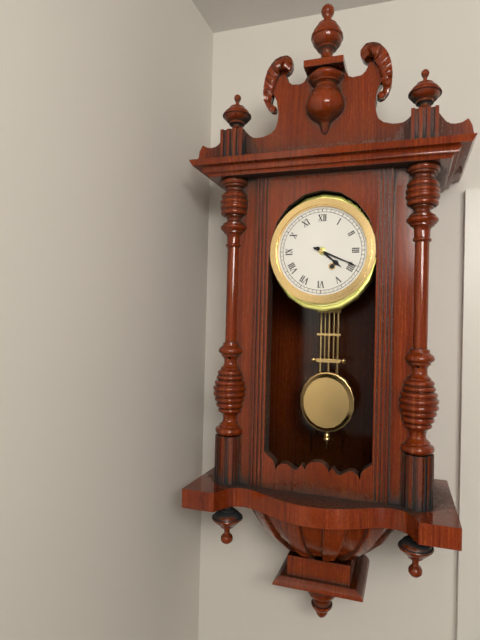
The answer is 4:19
